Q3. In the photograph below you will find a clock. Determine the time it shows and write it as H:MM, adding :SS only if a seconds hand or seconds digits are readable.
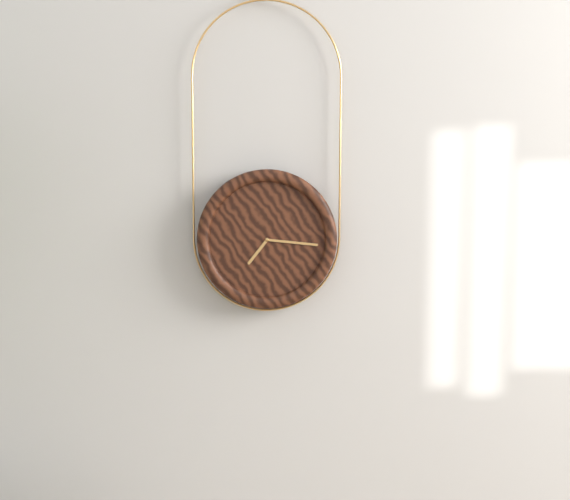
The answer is 7:16
